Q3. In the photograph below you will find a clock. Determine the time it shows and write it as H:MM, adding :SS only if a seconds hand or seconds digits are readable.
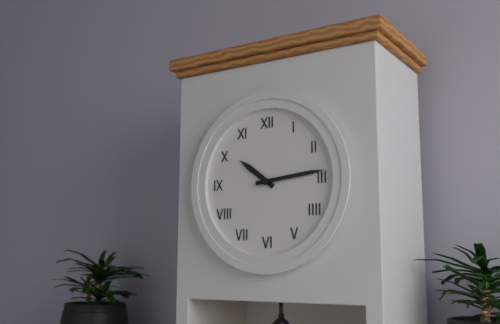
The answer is 10:14
